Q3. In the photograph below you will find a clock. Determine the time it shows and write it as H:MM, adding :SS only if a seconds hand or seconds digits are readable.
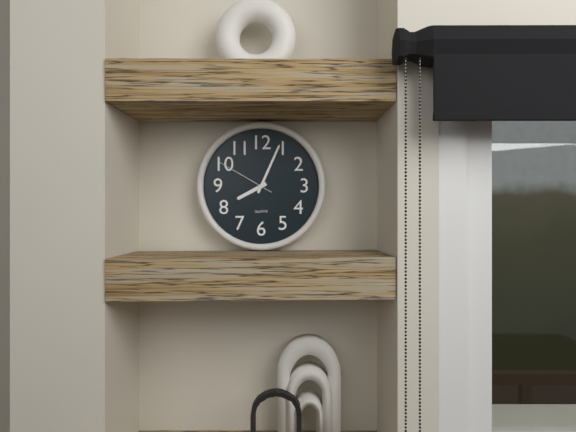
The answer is 8:04:50
